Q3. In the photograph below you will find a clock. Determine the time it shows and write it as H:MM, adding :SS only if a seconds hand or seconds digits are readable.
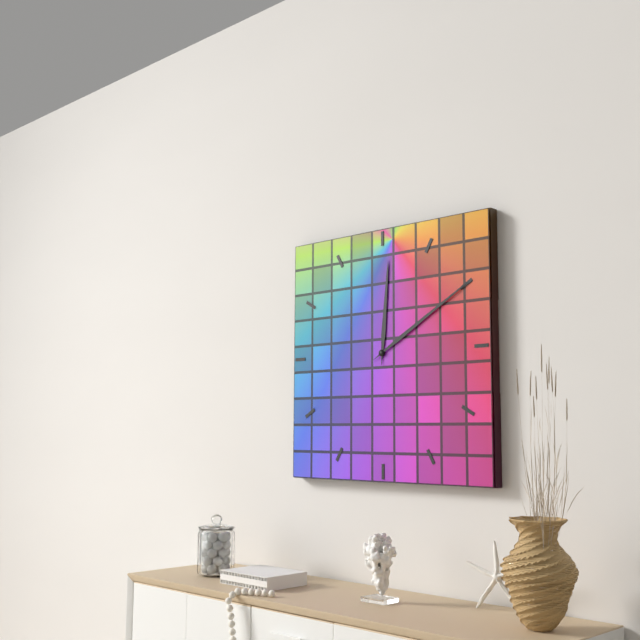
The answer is 12:10
